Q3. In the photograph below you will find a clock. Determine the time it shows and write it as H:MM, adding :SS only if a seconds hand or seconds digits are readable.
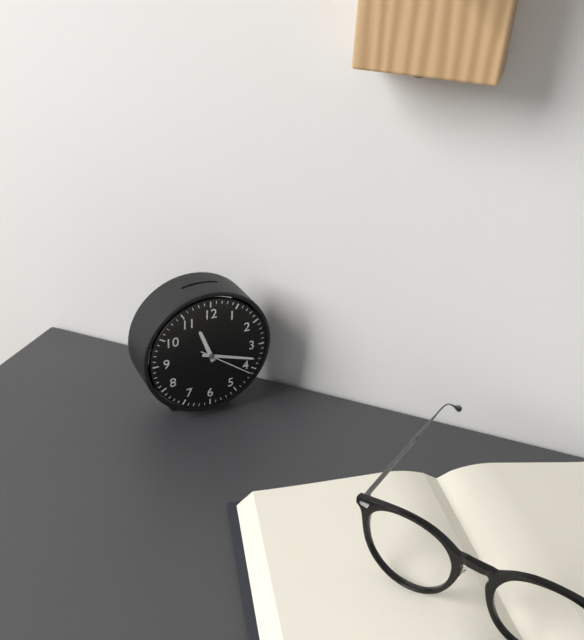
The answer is 11:18:21
